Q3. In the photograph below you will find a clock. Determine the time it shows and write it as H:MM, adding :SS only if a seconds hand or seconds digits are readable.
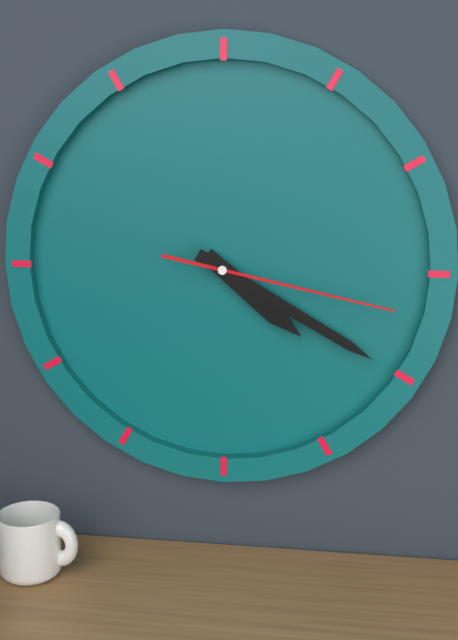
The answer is 4:20:17
